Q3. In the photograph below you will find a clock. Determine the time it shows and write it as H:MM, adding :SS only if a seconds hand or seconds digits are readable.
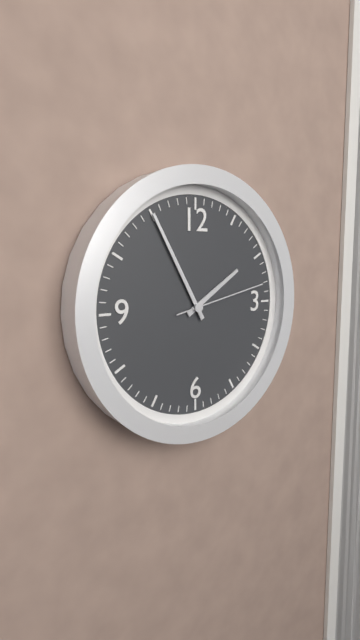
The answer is 1:55:13
